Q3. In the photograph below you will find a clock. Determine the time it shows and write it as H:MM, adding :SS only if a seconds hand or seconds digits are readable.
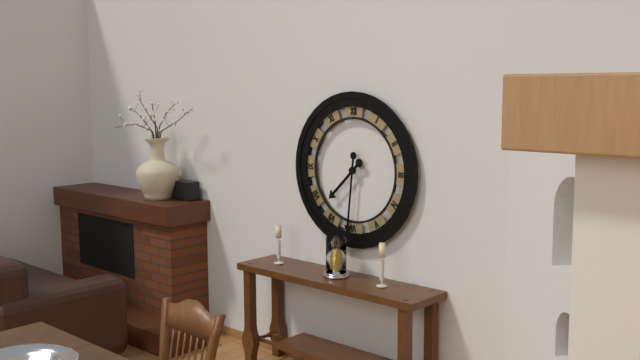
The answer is 7:31
